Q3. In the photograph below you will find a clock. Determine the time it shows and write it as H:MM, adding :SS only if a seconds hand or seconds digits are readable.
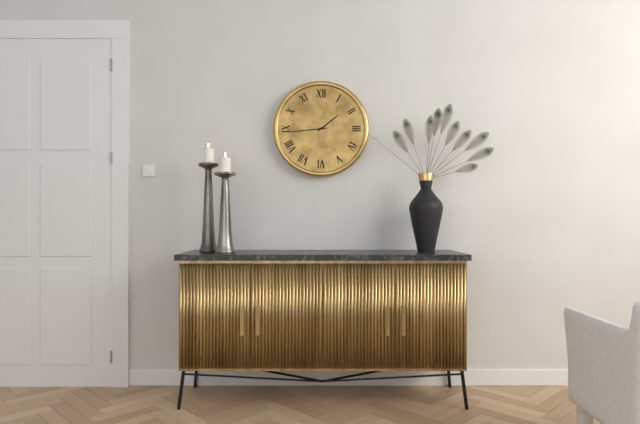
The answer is 1:44
